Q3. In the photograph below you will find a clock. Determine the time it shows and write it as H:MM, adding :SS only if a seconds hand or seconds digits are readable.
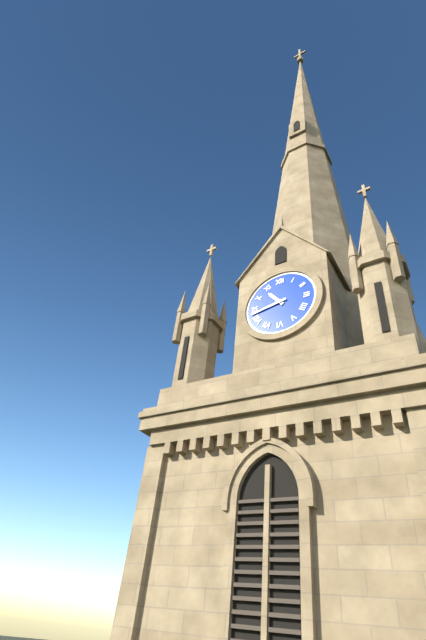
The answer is 10:43
